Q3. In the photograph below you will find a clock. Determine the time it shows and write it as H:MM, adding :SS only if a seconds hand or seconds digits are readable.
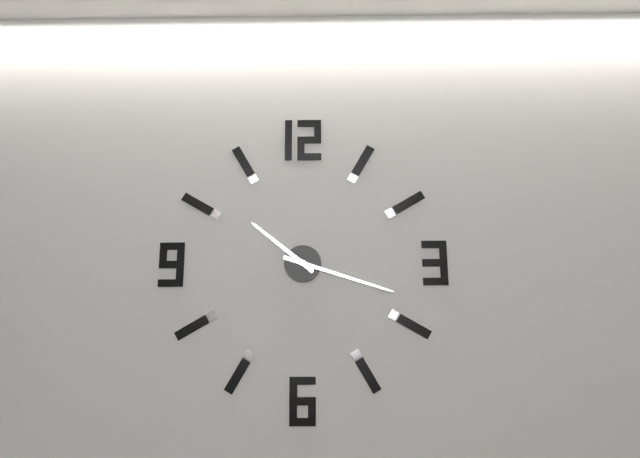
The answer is 10:18
